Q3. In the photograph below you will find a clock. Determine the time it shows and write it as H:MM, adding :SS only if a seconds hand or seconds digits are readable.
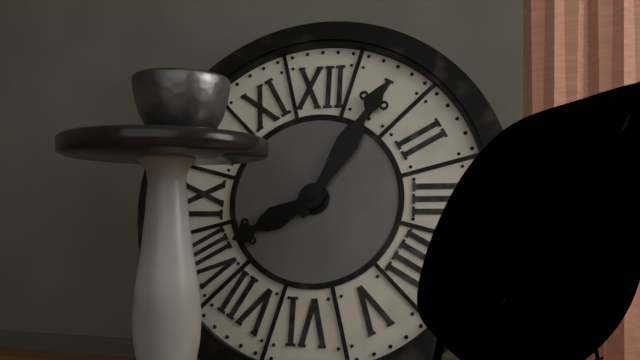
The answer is 8:05
